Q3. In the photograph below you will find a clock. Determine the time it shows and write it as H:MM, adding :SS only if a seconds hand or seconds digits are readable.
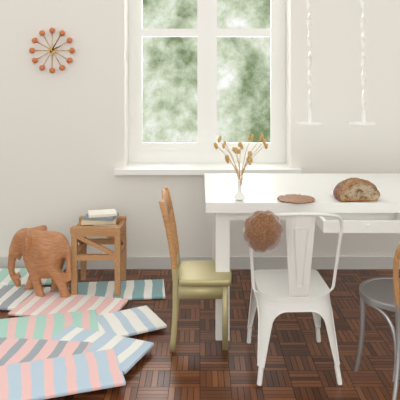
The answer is 2:05
